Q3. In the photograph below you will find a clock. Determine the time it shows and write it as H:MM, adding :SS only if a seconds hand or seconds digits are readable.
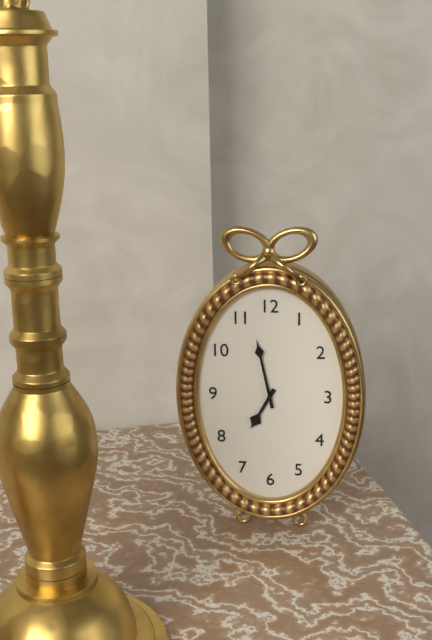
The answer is 6:58
